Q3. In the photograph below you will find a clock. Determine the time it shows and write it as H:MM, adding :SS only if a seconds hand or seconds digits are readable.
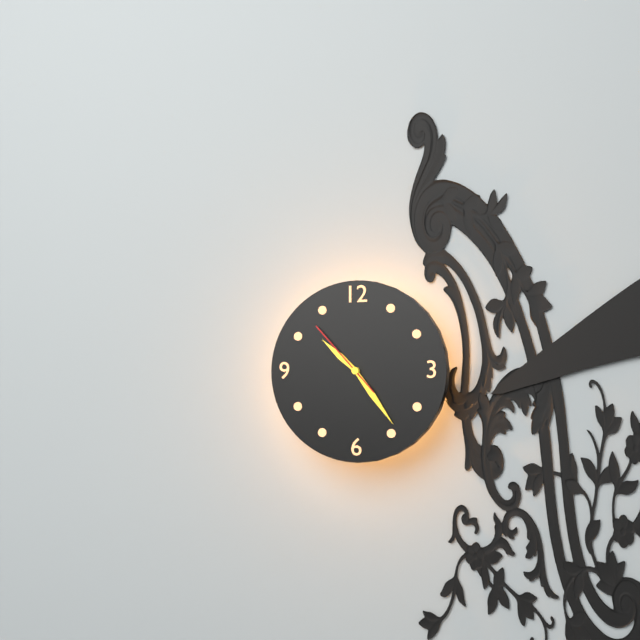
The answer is 10:24:53
